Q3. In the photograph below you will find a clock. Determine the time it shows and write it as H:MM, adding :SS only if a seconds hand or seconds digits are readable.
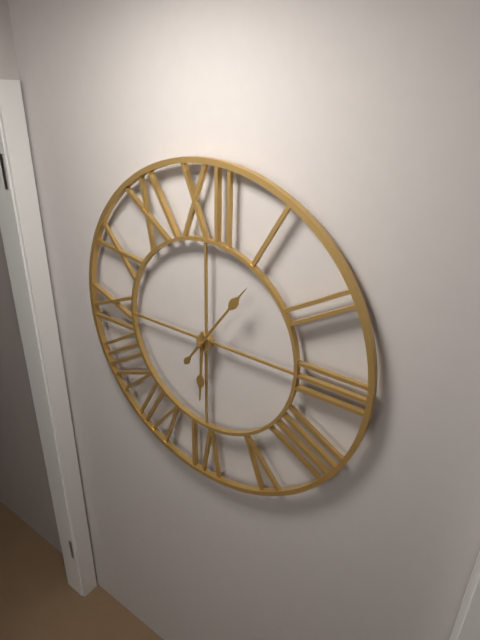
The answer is 6:06
